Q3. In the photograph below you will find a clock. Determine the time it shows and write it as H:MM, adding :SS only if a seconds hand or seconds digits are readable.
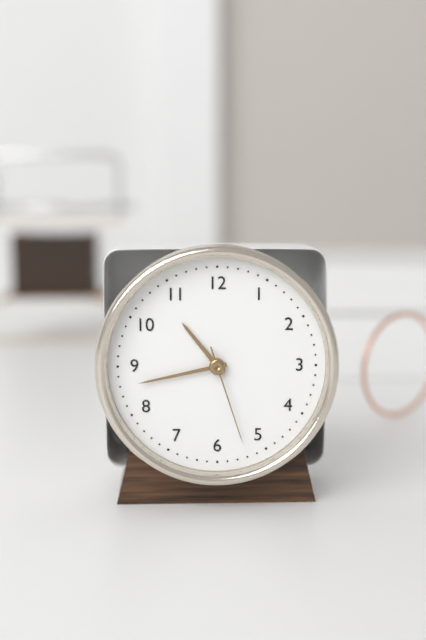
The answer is 10:43:27
